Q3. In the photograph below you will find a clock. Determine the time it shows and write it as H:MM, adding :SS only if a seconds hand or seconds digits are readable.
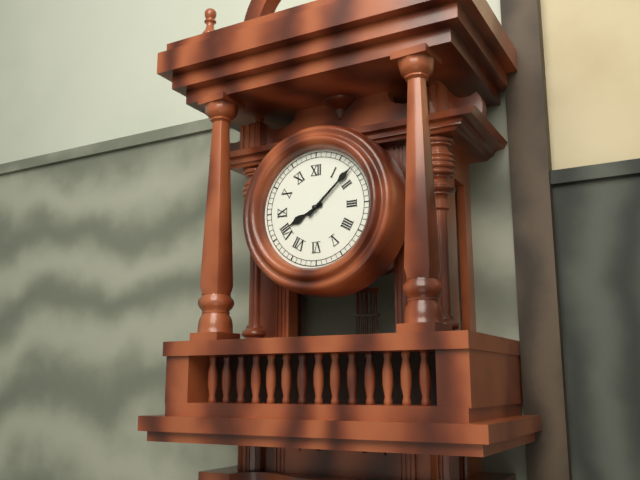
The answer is 8:08
